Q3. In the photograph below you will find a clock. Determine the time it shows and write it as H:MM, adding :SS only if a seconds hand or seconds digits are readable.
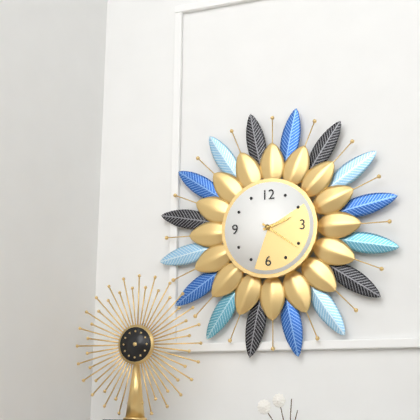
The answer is 2:21
